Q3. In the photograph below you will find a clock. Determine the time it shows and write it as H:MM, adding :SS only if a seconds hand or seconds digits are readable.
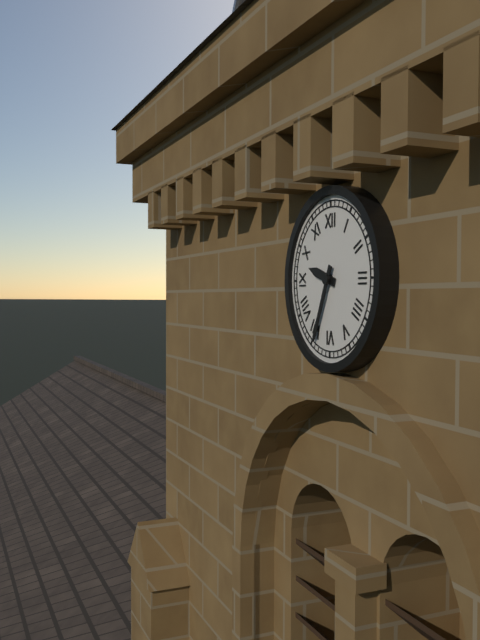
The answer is 9:34
